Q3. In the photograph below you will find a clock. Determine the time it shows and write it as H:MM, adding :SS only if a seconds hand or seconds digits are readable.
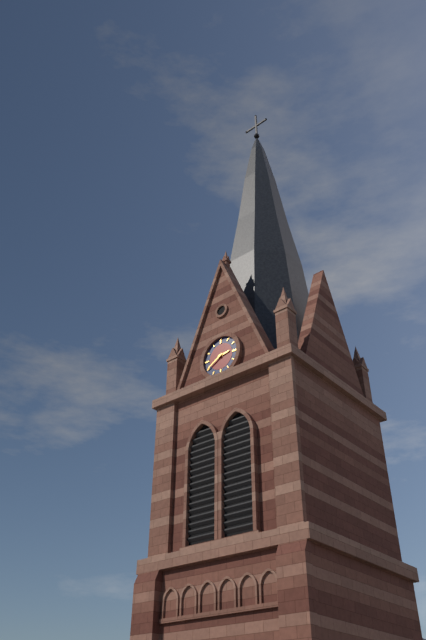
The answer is 2:40
